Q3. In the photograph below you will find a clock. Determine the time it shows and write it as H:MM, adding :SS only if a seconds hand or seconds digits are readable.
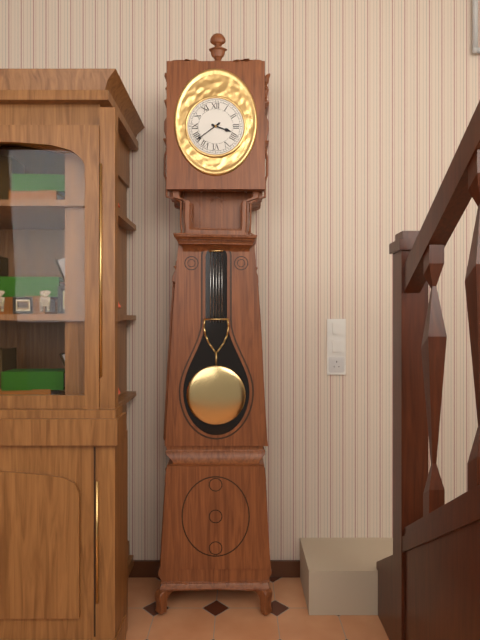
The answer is 3:39
